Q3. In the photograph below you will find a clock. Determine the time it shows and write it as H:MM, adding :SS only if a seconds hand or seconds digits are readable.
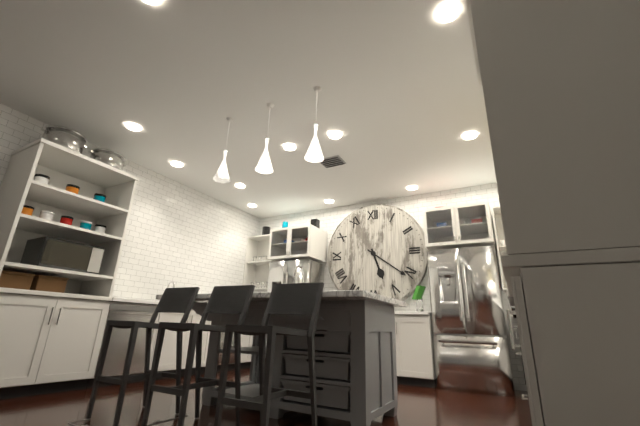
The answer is 5:21
